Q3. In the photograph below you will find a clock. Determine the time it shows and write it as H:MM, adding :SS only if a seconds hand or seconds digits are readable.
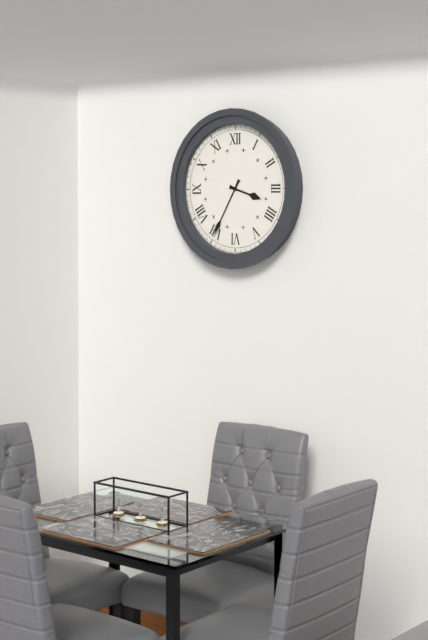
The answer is 3:35
